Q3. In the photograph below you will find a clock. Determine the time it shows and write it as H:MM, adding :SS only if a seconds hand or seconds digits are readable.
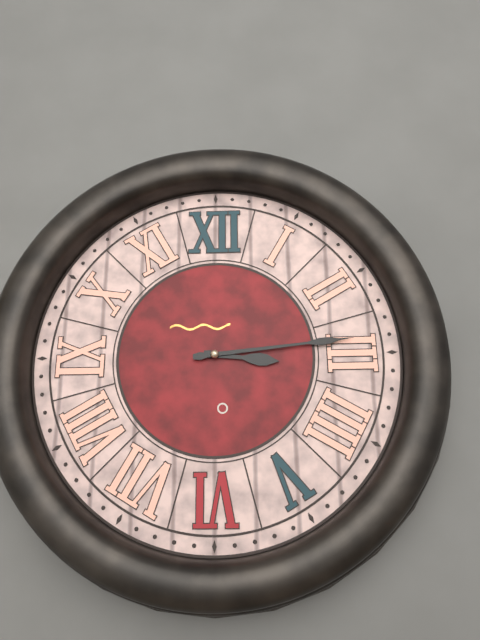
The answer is 3:14
